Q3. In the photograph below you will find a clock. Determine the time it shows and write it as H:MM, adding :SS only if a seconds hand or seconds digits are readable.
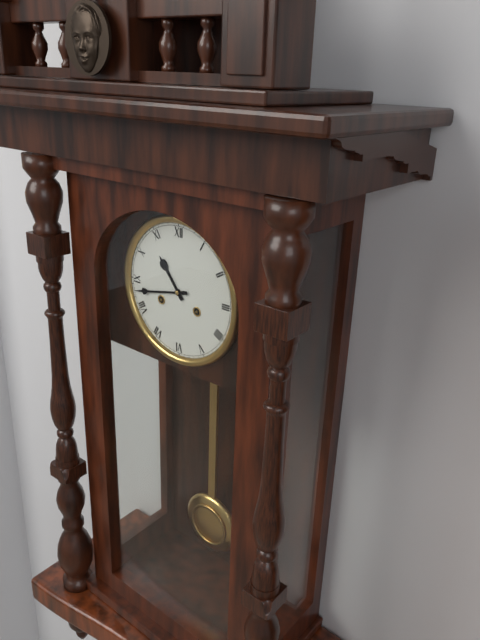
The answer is 10:43
